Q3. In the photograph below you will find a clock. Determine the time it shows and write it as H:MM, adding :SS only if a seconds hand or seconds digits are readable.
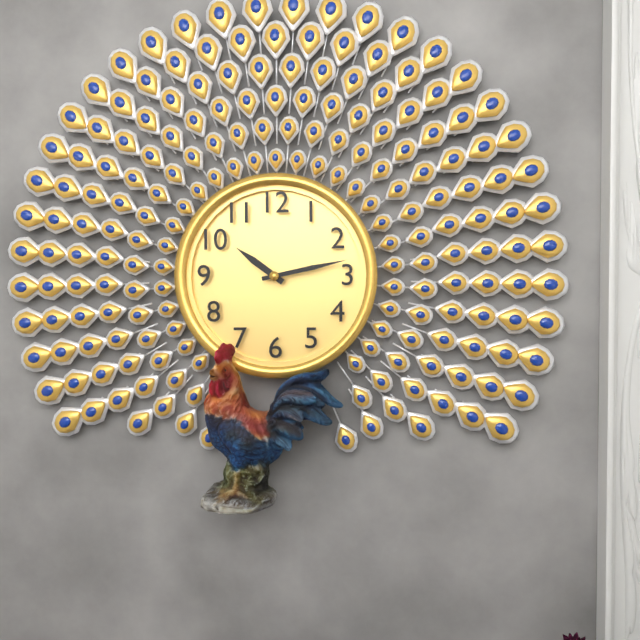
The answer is 10:13
